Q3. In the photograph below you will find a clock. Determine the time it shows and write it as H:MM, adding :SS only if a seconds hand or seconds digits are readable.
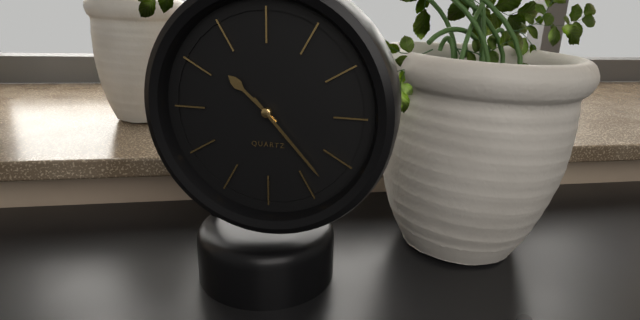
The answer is 10:23
